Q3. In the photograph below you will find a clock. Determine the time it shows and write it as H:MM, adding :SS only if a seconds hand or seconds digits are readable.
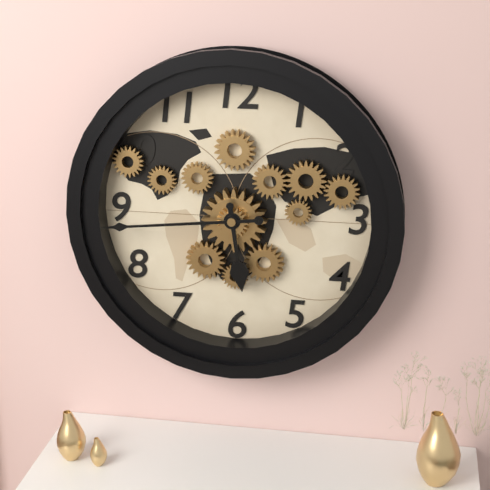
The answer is 5:44
